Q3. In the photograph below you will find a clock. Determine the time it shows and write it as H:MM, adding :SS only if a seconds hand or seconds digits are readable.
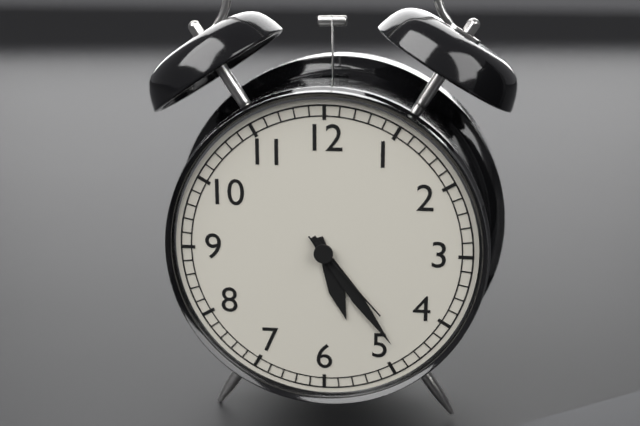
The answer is 5:24:23
